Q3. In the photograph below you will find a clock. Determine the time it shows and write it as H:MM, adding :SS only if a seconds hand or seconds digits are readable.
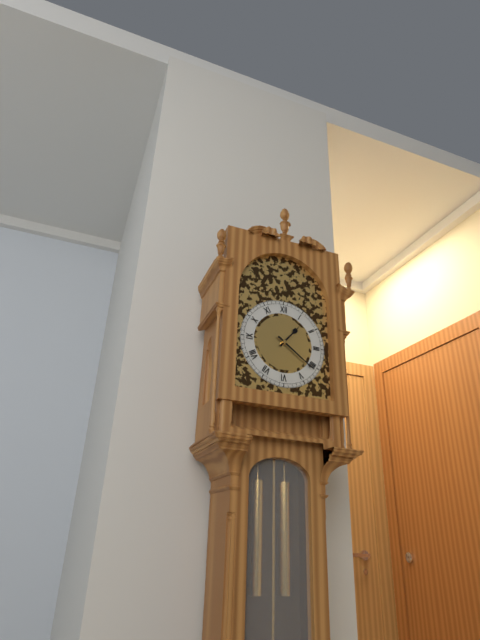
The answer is 1:21
